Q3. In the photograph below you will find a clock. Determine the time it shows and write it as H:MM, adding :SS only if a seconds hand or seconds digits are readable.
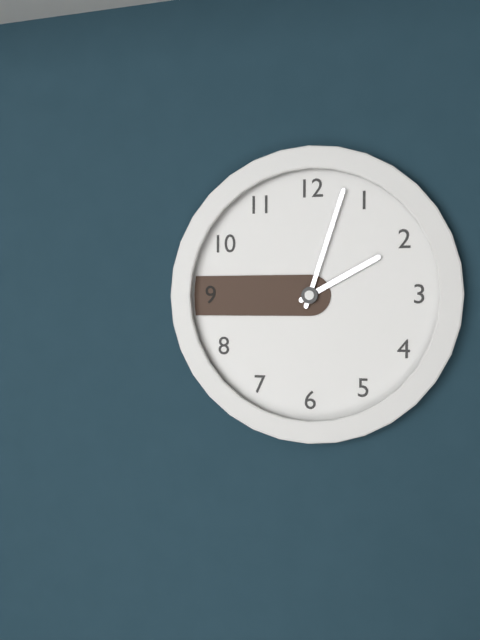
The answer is 2:03
